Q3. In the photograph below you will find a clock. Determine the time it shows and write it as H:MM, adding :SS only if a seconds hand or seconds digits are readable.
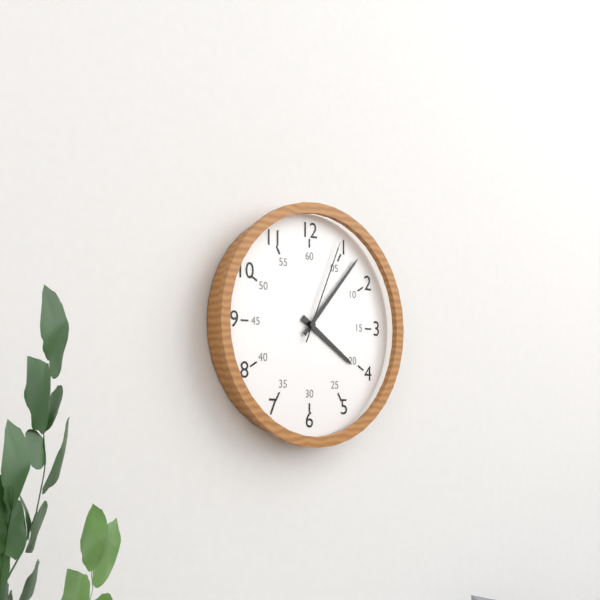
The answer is 4:07:04
